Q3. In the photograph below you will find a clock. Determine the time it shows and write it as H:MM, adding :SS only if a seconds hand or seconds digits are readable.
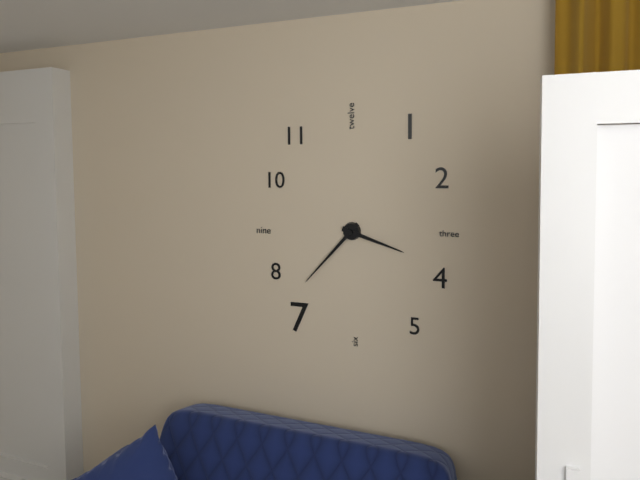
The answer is 3:37
